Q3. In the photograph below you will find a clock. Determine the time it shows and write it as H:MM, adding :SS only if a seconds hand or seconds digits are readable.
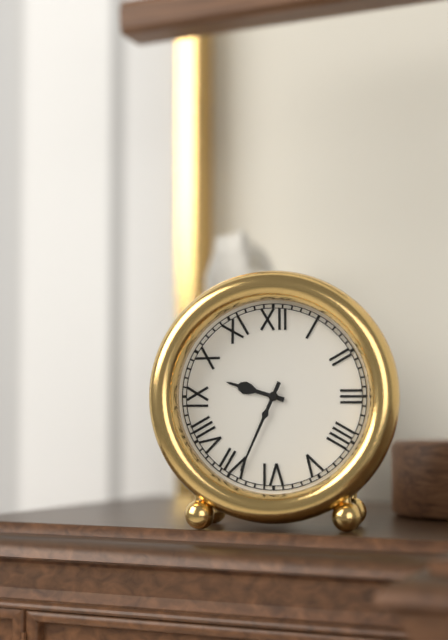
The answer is 9:34
